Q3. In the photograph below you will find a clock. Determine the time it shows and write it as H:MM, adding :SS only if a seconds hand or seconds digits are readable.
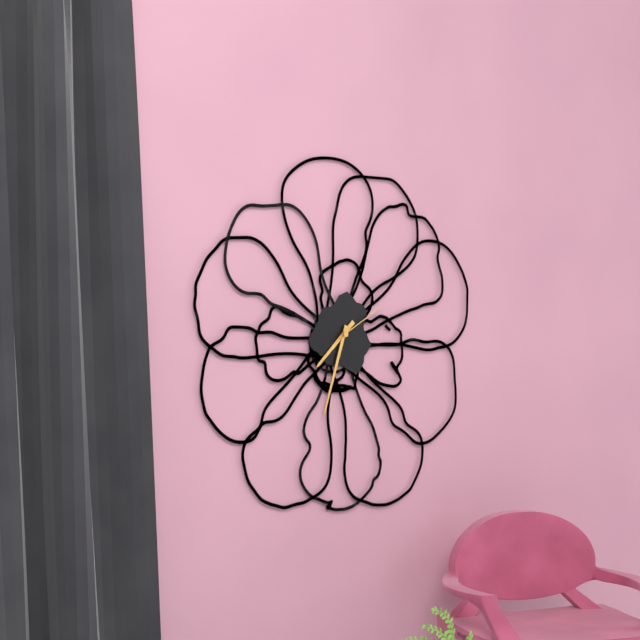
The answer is 7:33:10
